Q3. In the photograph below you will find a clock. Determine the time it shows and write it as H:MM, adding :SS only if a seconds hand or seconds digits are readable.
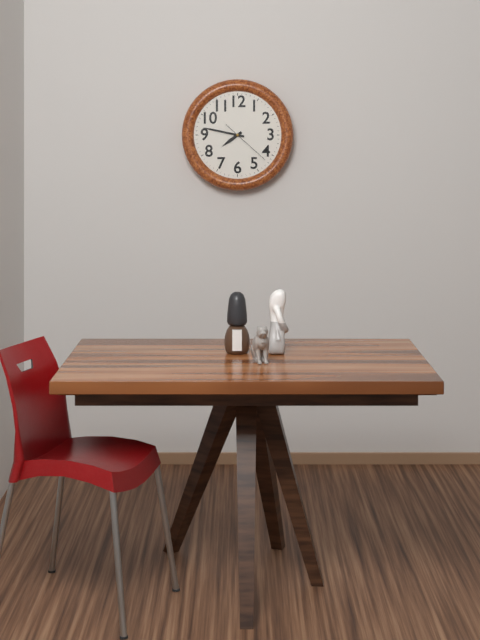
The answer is 7:47
